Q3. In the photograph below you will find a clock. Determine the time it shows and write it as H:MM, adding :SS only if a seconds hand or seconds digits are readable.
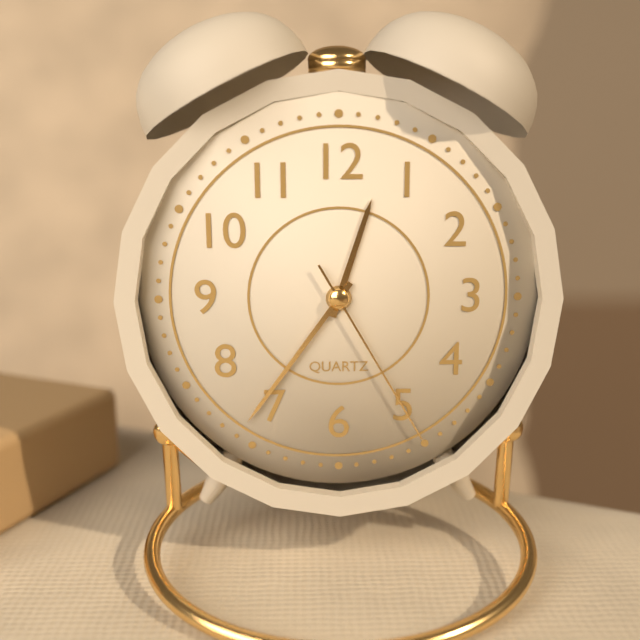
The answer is 12:36:25
